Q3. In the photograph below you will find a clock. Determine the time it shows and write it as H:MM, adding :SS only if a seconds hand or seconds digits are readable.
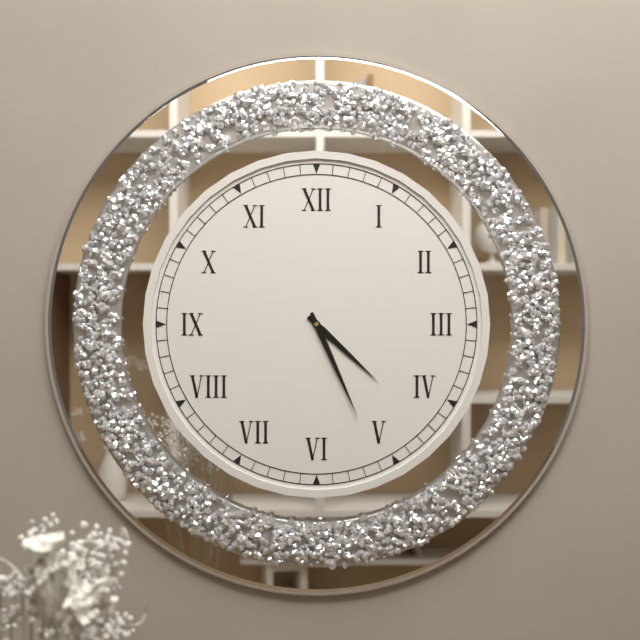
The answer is 4:26
